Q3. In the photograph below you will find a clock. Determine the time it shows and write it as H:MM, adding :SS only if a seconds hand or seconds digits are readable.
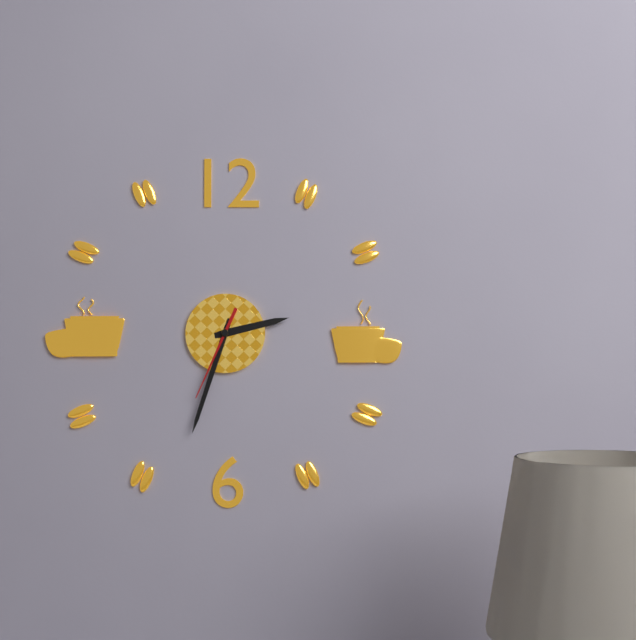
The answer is 2:33:34
